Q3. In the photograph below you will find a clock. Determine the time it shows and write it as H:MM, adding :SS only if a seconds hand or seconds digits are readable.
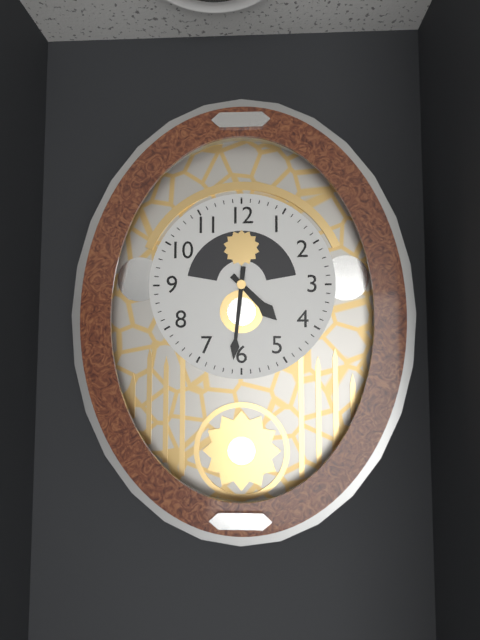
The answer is 4:31
